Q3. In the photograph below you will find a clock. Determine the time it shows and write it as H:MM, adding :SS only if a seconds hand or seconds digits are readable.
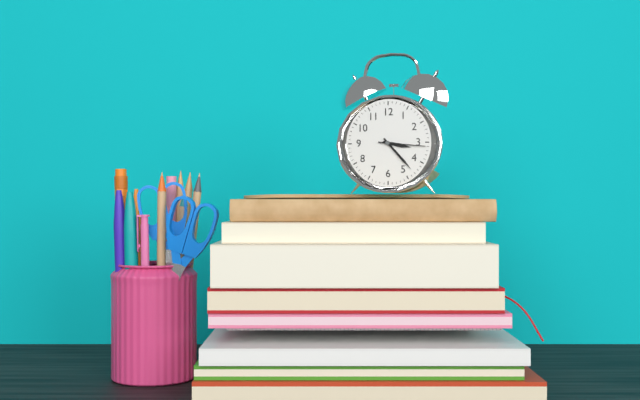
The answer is 3:23
